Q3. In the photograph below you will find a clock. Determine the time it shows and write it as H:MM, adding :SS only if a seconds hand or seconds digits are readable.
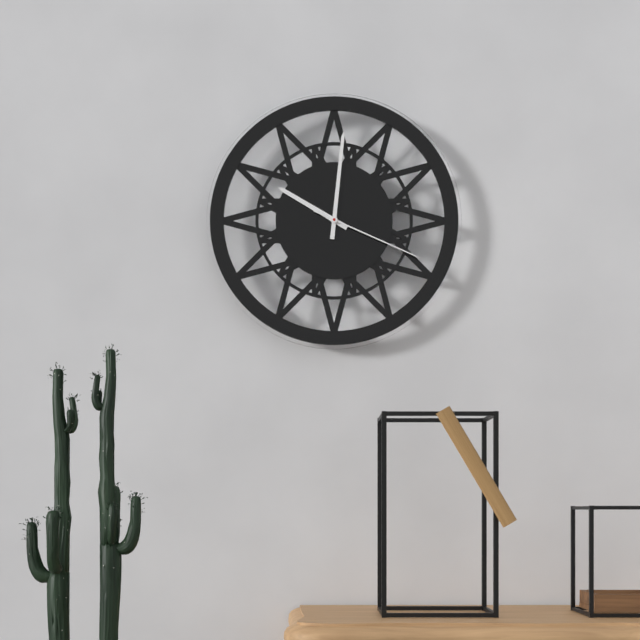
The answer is 10:01:19
